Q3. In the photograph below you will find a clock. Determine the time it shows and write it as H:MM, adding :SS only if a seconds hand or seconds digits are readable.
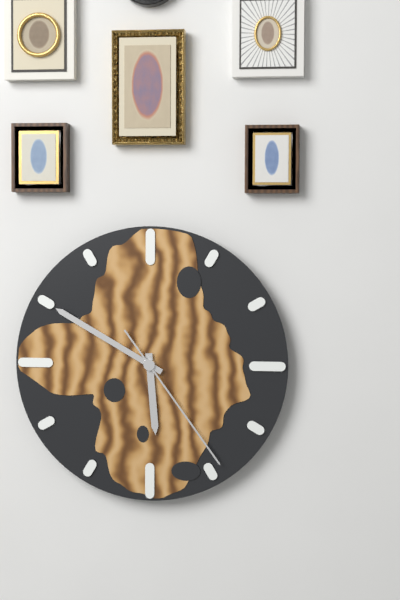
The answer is 5:50:24
